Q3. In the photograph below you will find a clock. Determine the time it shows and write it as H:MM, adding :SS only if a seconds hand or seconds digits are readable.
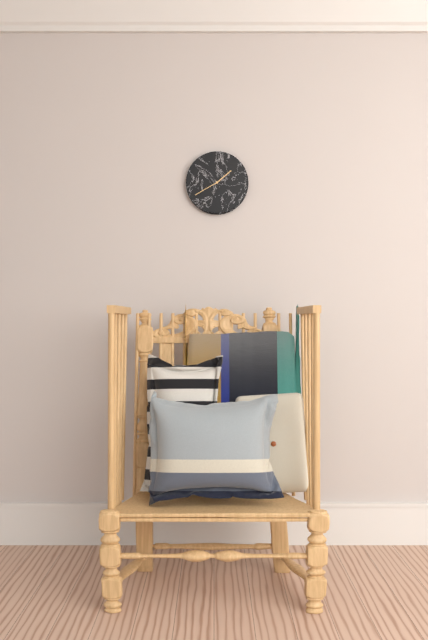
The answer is 1:40
